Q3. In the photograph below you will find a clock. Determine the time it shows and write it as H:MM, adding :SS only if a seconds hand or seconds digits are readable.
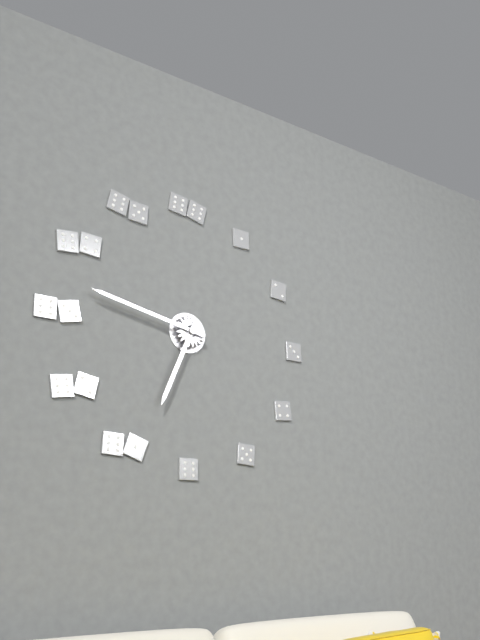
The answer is 6:47
